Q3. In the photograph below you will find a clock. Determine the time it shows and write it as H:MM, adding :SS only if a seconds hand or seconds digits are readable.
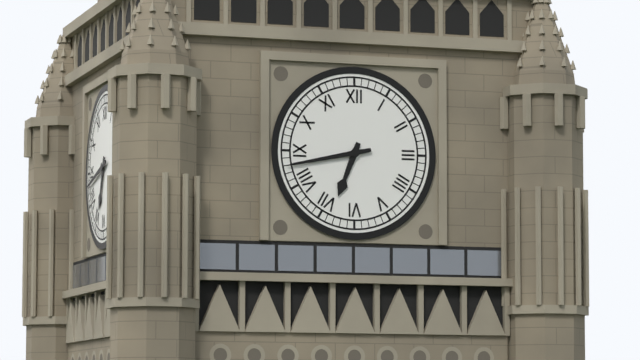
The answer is 6:43
